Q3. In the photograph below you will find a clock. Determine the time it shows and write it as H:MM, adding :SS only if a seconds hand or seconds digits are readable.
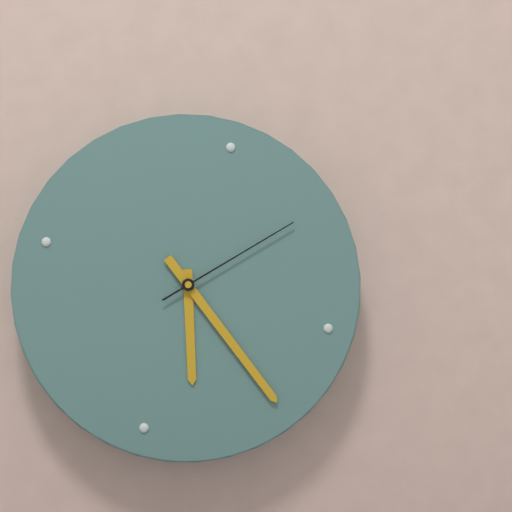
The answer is 5:21:07
